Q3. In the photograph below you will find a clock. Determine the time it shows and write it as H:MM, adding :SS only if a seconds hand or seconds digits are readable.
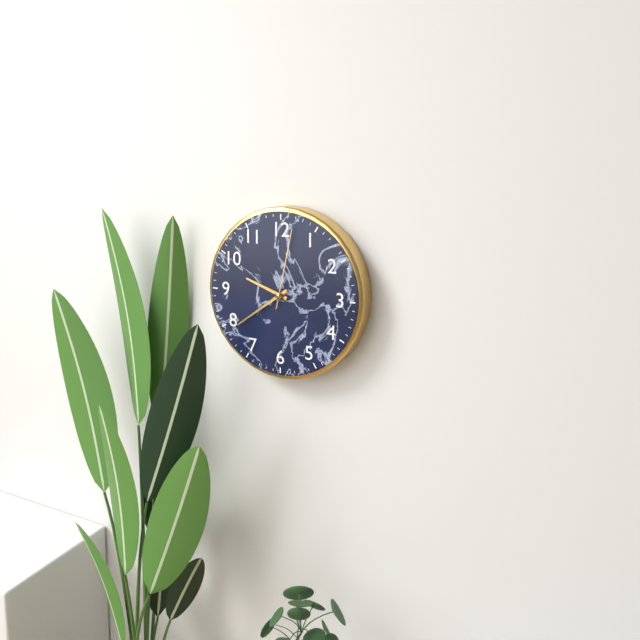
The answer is 9:39:02
